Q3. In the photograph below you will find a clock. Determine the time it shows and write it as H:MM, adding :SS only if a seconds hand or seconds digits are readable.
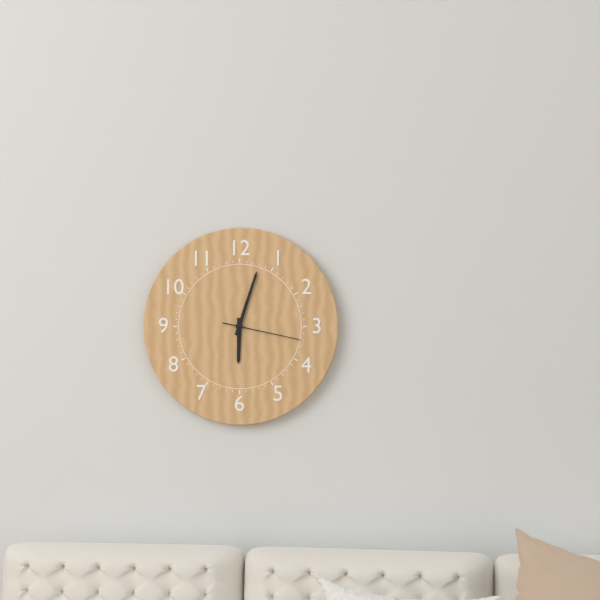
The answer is 6:03:17
